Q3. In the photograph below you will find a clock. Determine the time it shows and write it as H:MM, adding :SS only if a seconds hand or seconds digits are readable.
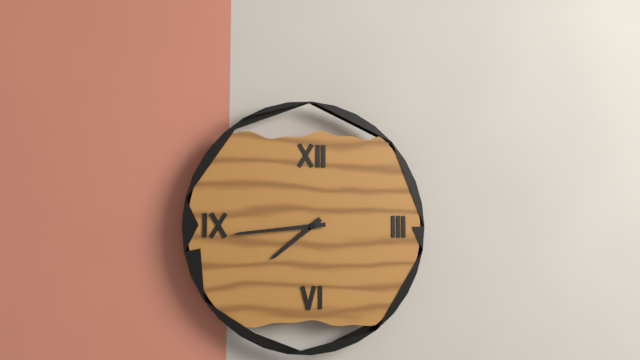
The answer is 7:44
